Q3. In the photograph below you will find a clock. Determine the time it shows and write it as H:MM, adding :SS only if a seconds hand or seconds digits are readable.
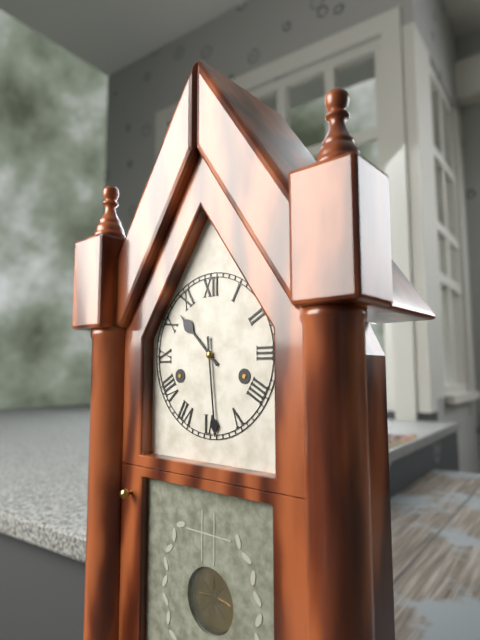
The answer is 10:29
